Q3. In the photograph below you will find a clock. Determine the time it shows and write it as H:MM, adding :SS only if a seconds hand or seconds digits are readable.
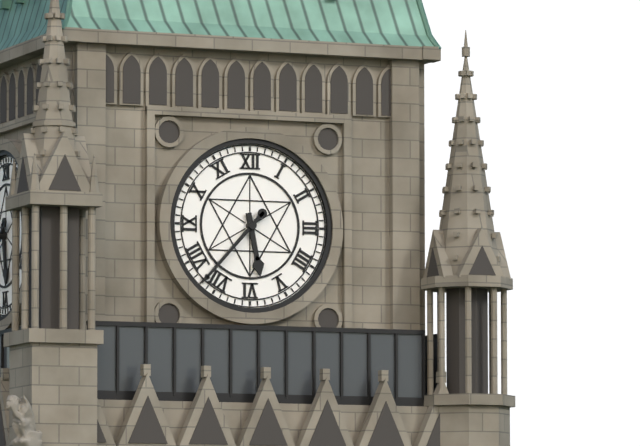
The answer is 5:37
